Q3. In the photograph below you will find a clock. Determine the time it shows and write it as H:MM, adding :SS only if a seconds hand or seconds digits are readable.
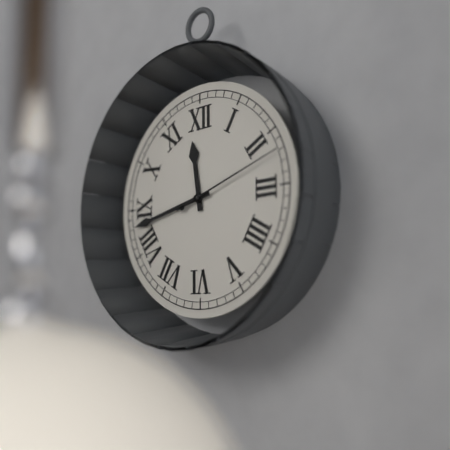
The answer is 11:43:12
